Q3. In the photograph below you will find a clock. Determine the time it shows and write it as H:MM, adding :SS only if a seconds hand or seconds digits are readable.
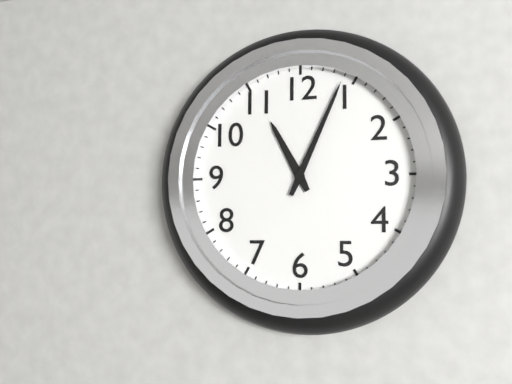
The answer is 11:04
